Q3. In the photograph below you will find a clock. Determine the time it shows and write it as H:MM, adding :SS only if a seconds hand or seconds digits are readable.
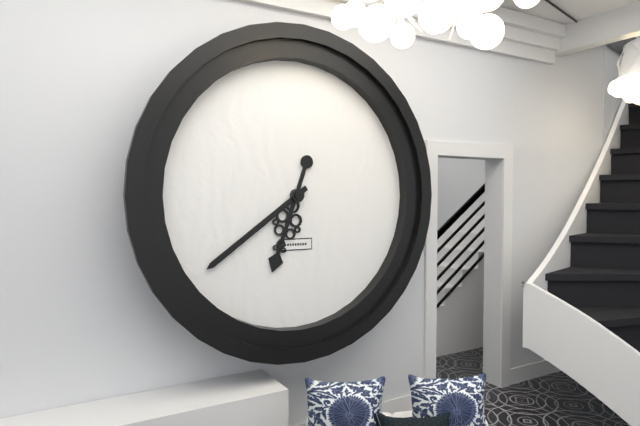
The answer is 6:39
